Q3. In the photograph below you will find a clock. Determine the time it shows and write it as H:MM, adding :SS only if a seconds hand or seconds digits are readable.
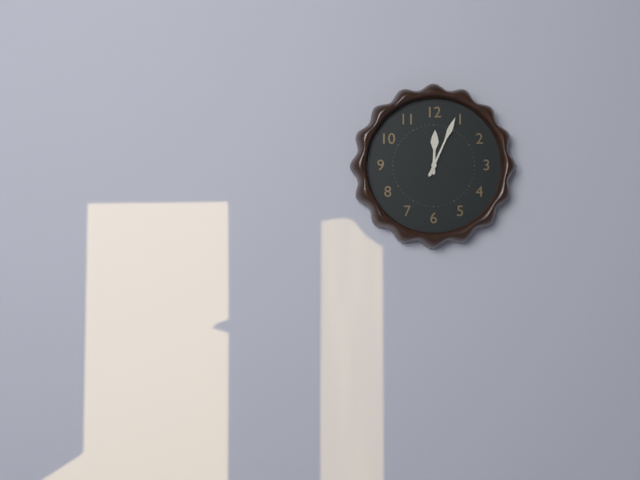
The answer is 12:04
